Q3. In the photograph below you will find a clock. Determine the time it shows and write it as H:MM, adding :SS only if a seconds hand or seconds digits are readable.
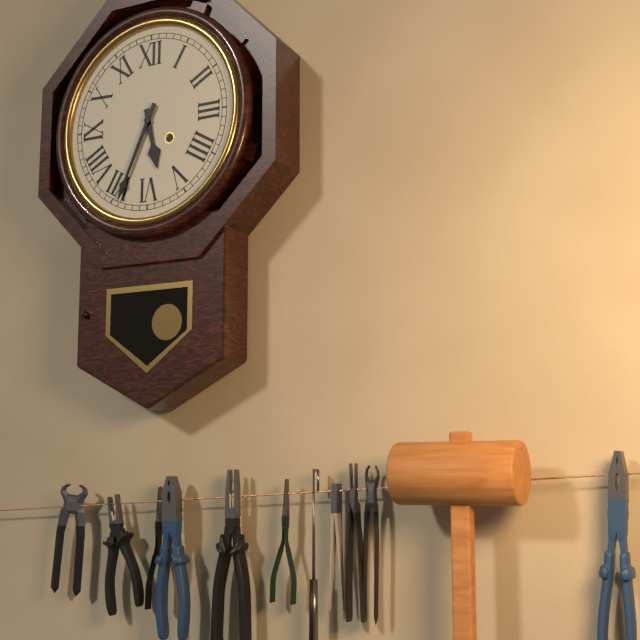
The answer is 5:34
